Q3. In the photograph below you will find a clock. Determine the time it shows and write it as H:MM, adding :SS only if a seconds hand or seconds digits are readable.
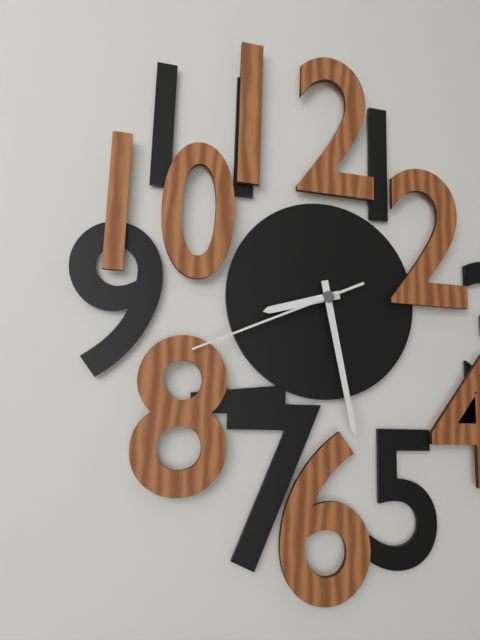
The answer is 8:28:41
